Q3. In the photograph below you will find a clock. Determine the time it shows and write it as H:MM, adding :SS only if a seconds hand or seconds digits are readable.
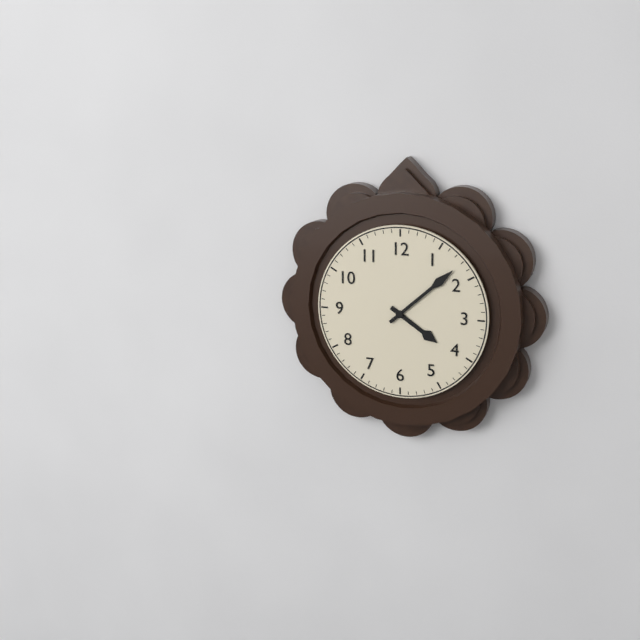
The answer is 4:08
